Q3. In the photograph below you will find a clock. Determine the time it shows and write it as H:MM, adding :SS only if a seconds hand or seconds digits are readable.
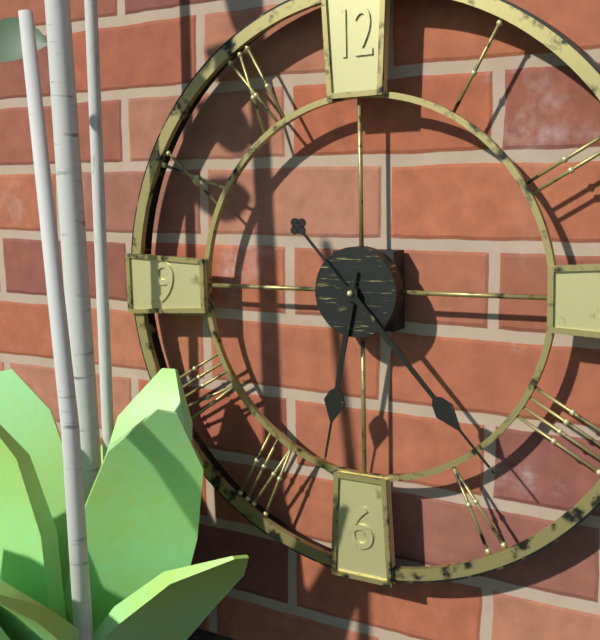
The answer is 6:23
